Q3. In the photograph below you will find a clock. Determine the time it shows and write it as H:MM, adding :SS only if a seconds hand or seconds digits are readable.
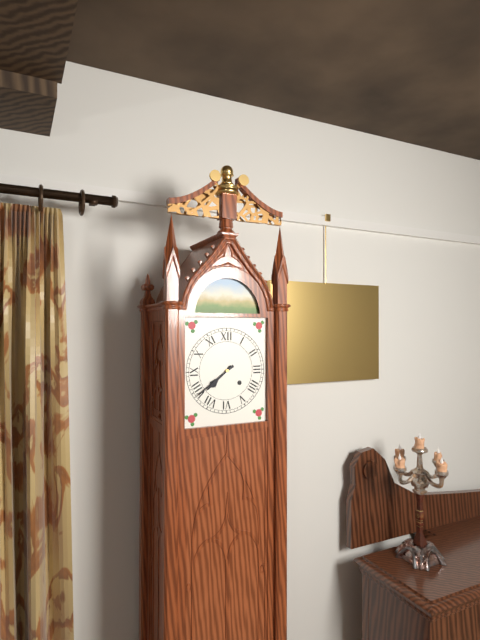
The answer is 7:39
